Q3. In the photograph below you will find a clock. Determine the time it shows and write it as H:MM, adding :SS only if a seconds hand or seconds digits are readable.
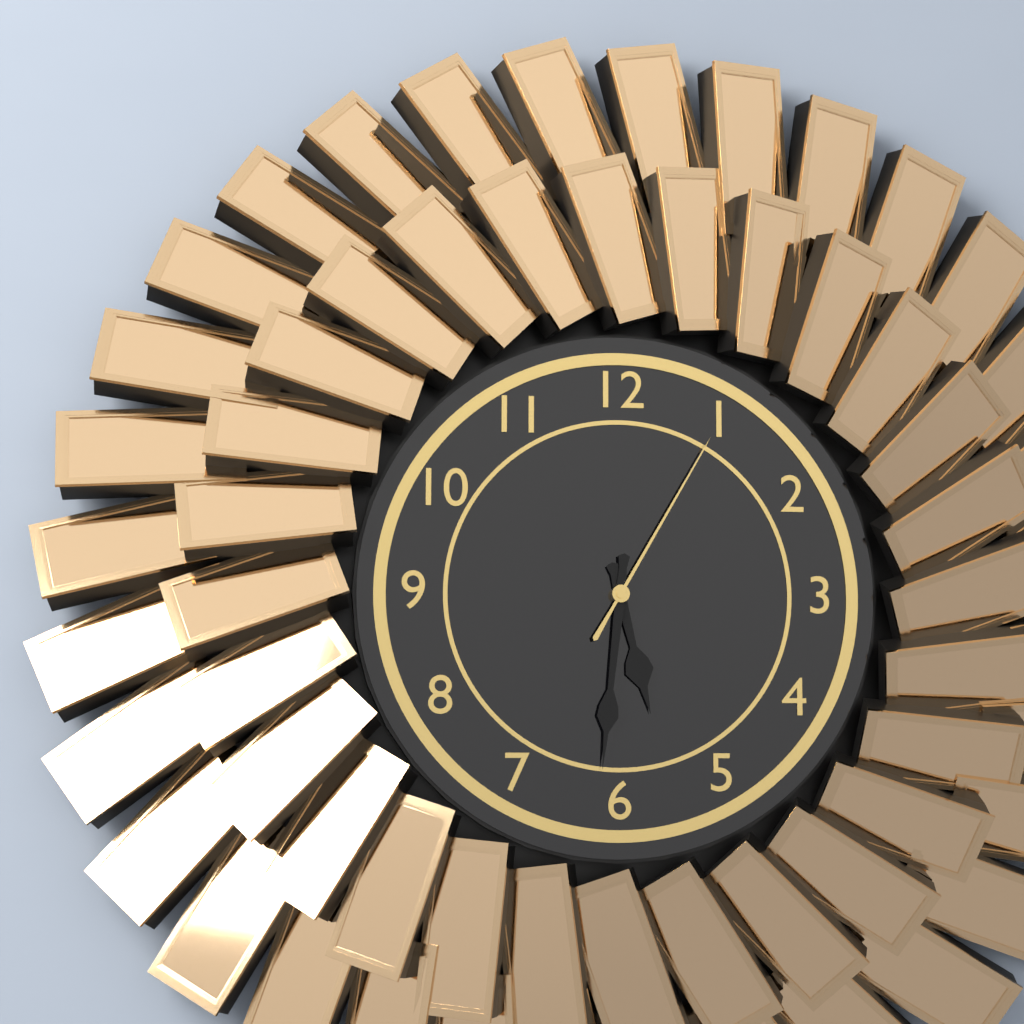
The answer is 5:31:05
